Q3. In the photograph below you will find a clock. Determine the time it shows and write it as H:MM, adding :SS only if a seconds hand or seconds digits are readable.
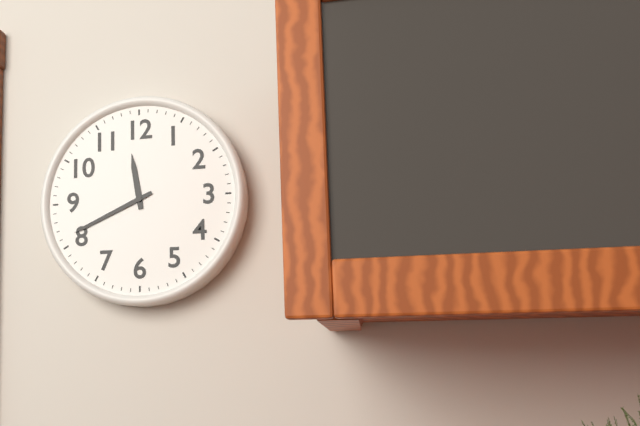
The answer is 11:41
